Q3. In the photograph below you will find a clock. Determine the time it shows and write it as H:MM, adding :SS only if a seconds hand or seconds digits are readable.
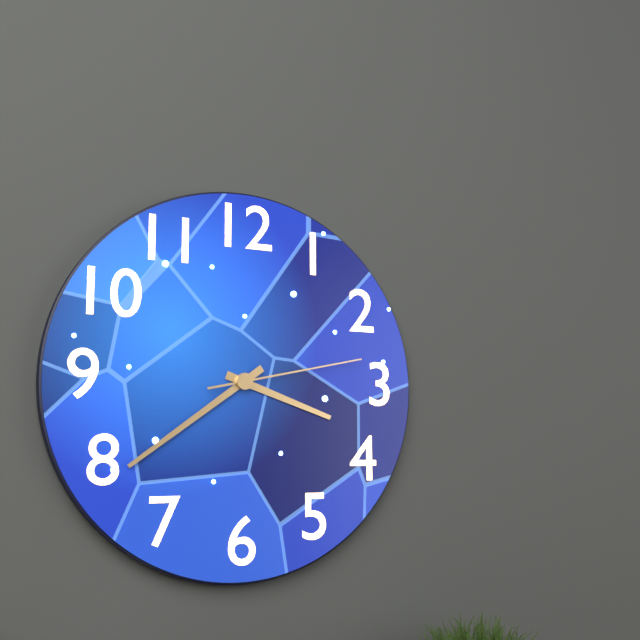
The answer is 3:39:13
